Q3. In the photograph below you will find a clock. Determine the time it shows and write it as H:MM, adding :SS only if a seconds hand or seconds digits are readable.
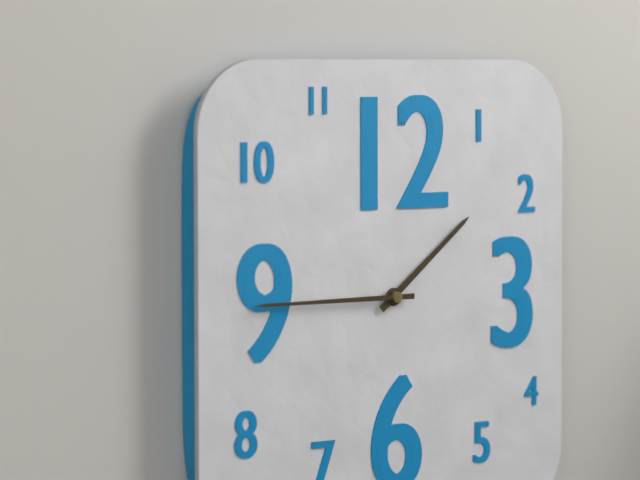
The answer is 1:45
